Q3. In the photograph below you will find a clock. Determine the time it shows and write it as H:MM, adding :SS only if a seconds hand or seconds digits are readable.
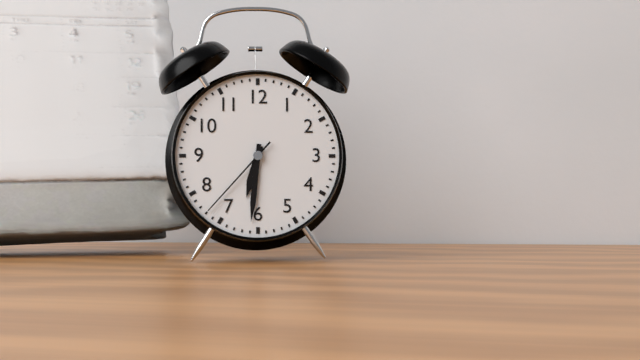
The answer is 6:31:37
